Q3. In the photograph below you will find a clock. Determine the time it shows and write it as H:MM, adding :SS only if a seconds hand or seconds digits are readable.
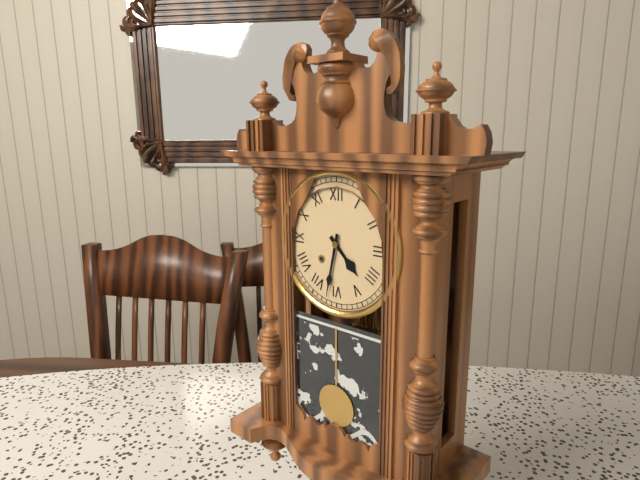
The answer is 4:32
